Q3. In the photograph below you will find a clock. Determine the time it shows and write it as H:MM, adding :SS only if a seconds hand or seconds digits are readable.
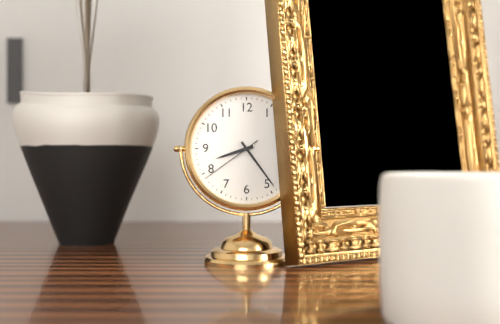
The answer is 8:24:39
